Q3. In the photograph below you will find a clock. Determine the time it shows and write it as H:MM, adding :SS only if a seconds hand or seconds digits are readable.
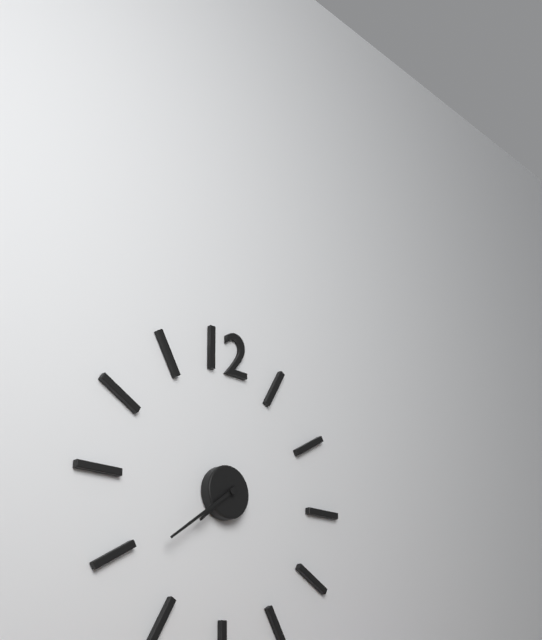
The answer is 7:39
